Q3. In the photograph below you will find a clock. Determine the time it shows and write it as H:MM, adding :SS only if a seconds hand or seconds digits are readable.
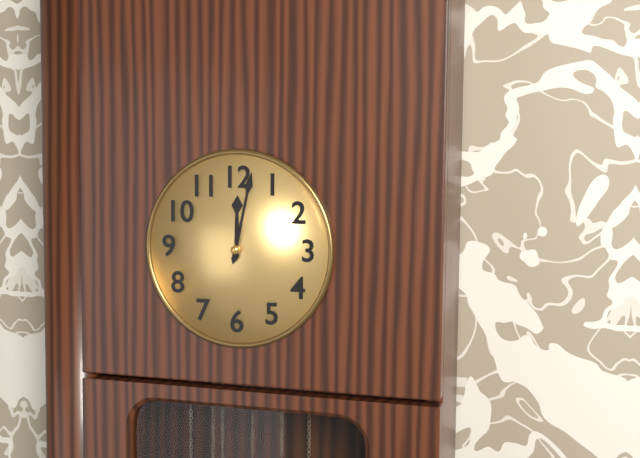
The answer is 12:02
